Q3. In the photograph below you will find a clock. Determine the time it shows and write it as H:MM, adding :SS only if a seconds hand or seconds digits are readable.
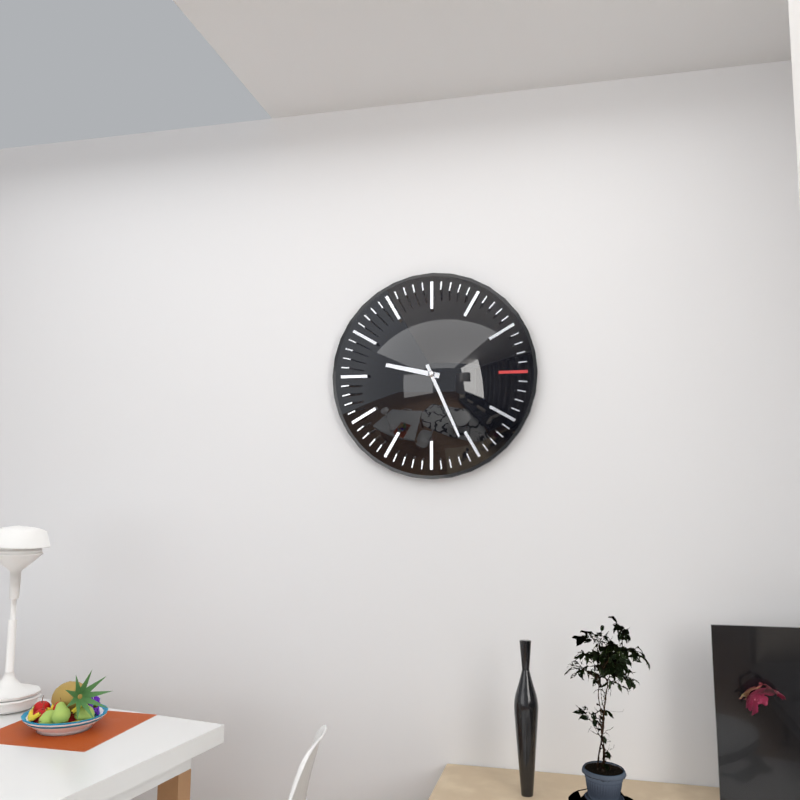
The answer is 9:26
